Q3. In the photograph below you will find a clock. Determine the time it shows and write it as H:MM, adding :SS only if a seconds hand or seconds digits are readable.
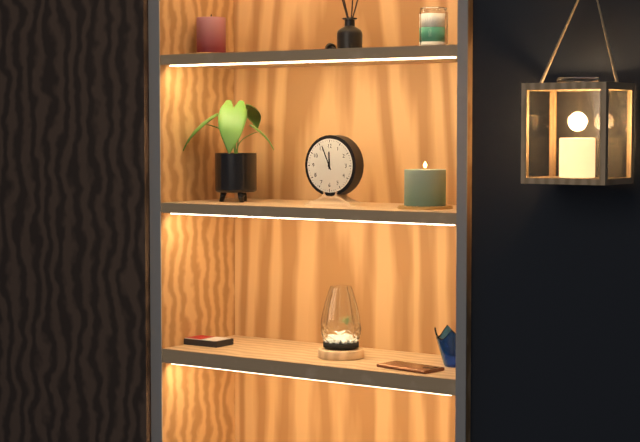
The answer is 11:56
